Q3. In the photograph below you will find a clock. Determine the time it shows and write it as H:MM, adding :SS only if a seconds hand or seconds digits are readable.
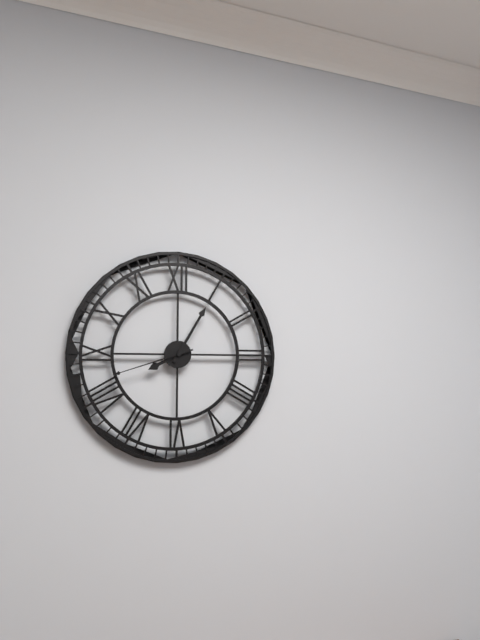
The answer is 8:05:42
